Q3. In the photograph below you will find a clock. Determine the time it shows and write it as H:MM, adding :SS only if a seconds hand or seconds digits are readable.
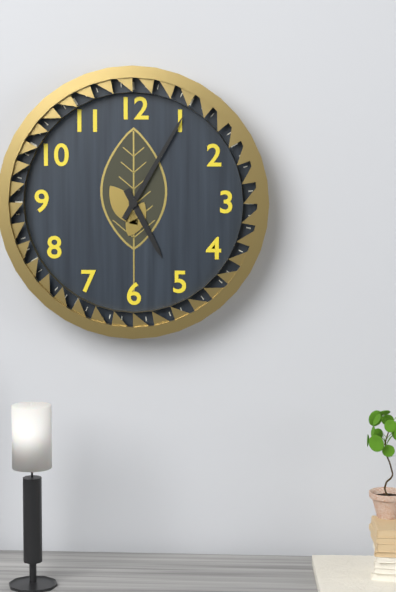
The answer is 5:05
